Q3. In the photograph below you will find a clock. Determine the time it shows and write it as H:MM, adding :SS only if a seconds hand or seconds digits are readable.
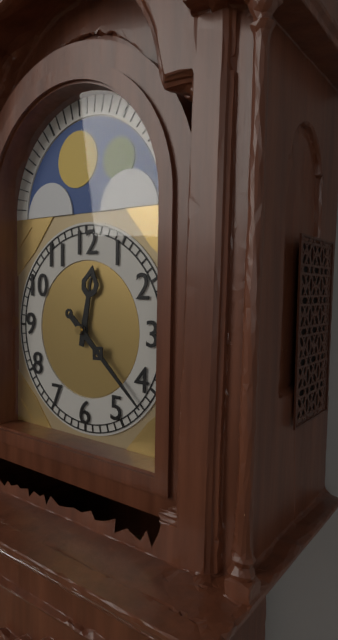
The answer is 12:22
